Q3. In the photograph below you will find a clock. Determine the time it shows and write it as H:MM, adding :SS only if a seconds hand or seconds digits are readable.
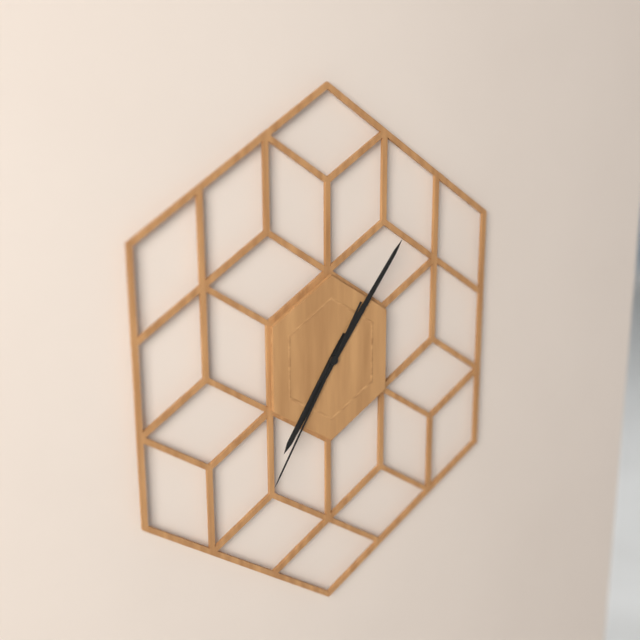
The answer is 7:06:35
